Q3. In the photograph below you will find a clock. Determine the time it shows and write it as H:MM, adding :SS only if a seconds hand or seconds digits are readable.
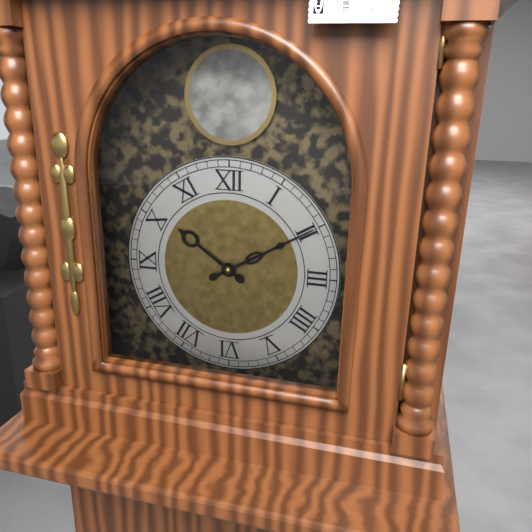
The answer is 10:10
